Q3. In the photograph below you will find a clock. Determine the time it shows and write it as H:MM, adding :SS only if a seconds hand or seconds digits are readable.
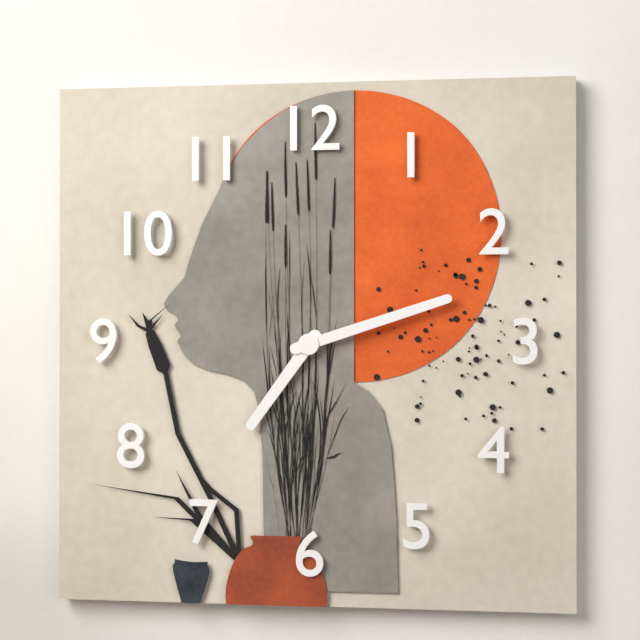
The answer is 7:12
